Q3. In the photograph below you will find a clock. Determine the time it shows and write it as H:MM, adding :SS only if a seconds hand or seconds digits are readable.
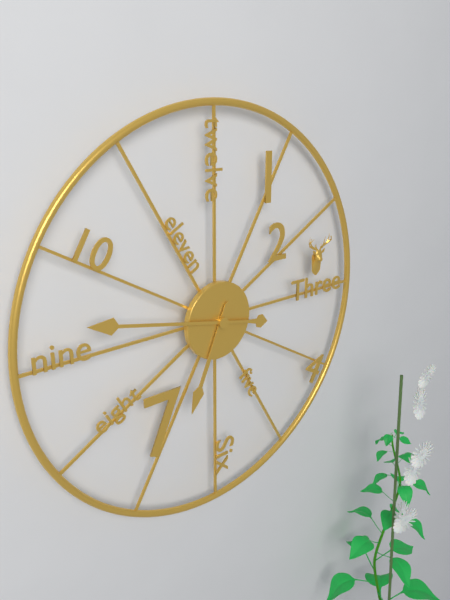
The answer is 6:47
